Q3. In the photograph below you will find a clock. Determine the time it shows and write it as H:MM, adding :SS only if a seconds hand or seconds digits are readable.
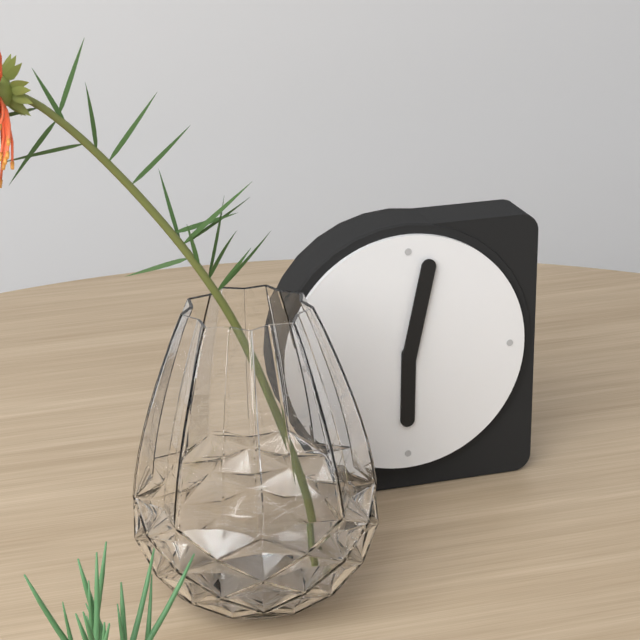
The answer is 6:02
